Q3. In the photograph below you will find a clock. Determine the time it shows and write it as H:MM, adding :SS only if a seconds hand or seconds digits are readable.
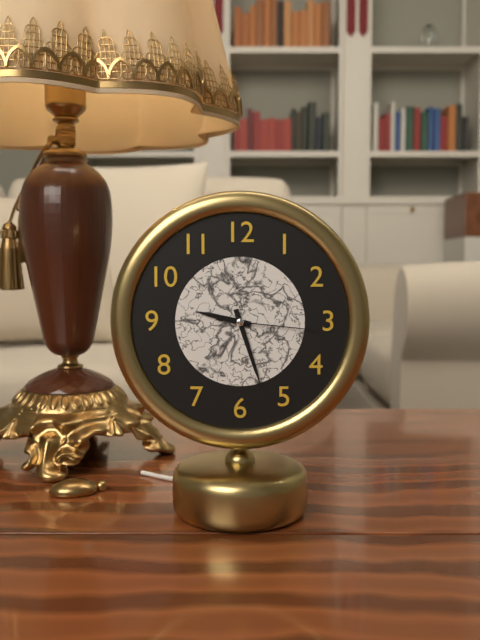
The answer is 9:27:16
